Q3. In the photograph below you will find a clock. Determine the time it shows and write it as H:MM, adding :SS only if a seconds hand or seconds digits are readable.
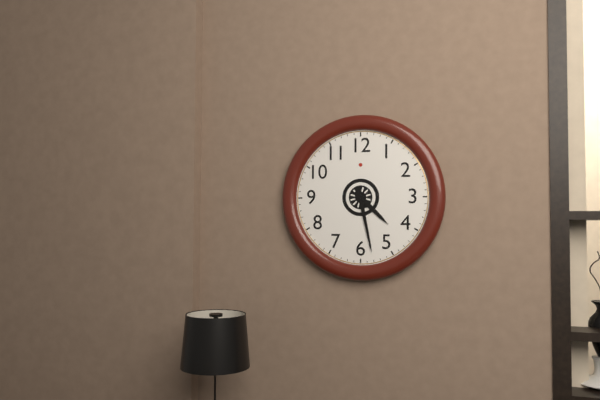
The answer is 4:28
